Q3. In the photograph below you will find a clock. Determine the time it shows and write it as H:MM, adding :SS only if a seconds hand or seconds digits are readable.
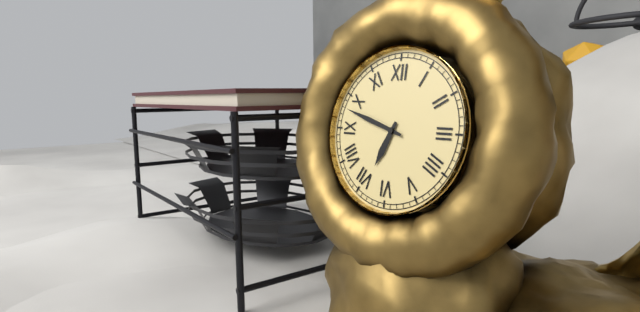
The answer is 6:48
